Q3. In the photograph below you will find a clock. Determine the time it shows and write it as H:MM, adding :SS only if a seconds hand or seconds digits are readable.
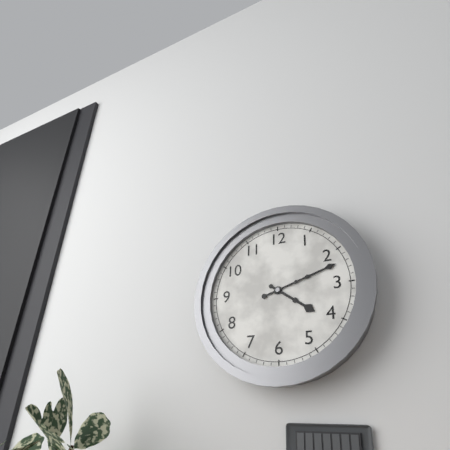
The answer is 4:12
